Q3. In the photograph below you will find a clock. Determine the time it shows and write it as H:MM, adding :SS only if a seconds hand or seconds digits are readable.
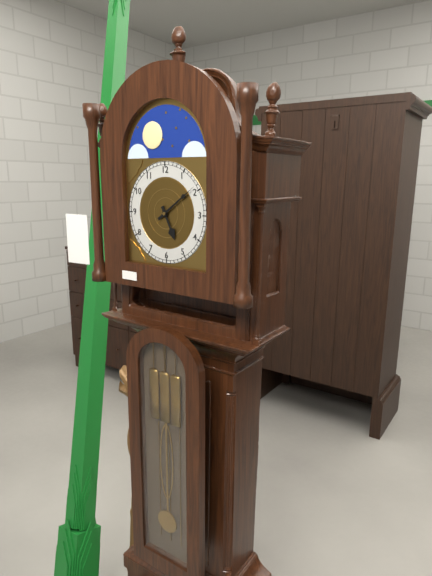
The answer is 5:09
